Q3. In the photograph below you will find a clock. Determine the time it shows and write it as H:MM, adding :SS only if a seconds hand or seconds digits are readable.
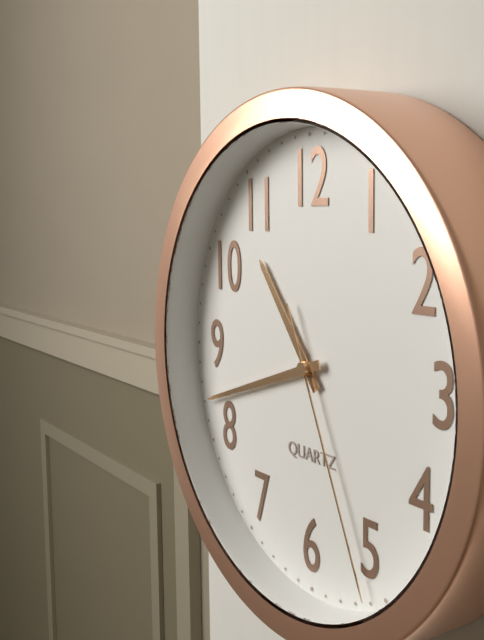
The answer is 10:42:26
